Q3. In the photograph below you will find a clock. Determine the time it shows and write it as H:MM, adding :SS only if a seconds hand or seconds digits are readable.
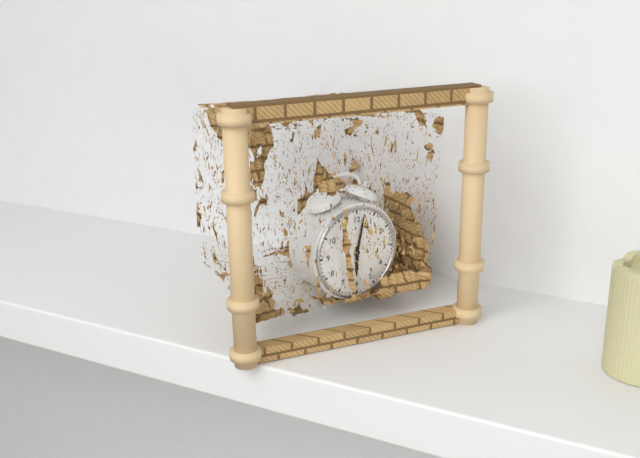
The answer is 6:02
